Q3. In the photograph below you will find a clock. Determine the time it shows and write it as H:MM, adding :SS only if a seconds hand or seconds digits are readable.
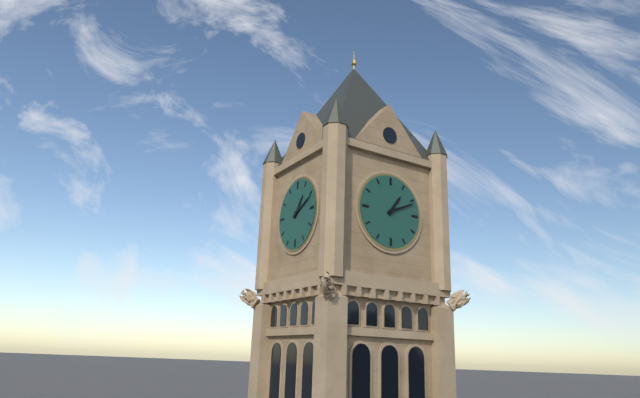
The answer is 1:11
